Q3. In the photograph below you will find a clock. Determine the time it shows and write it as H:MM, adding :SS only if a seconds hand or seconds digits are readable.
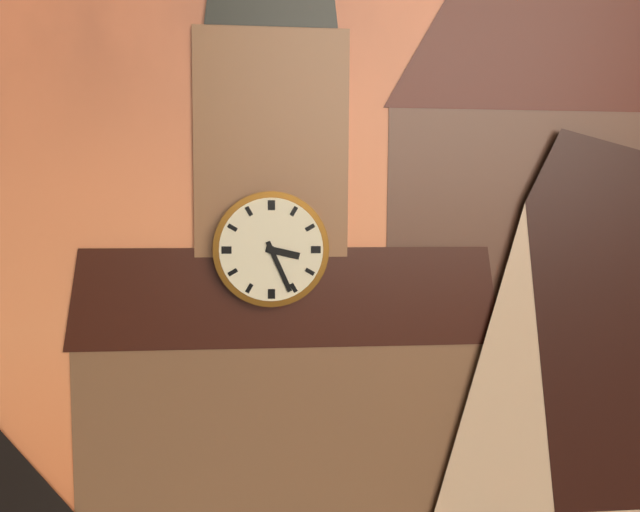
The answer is 3:26
